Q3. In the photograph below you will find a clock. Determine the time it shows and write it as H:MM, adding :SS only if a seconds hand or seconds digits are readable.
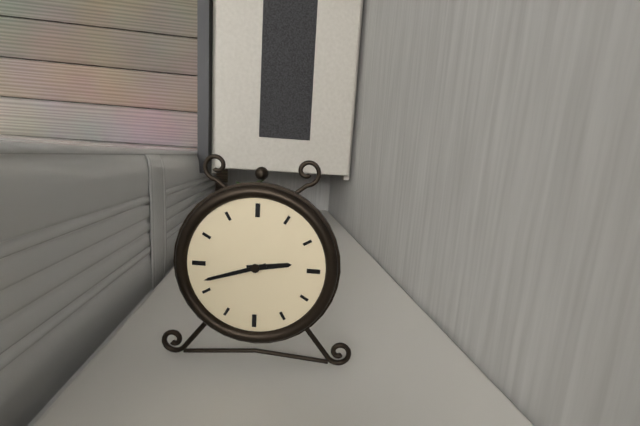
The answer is 2:42
